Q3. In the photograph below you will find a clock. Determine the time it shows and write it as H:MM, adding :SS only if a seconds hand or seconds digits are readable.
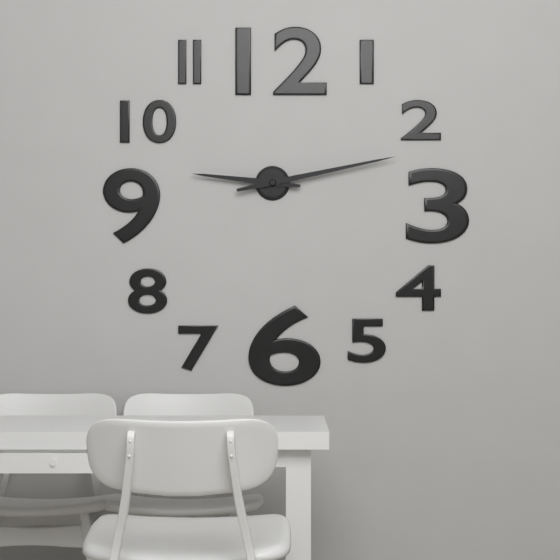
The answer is 9:13
